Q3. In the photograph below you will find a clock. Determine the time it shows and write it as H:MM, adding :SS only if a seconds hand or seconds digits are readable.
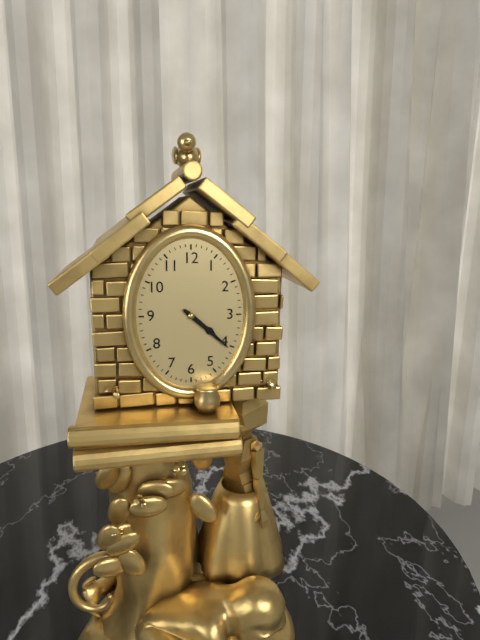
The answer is 4:22
